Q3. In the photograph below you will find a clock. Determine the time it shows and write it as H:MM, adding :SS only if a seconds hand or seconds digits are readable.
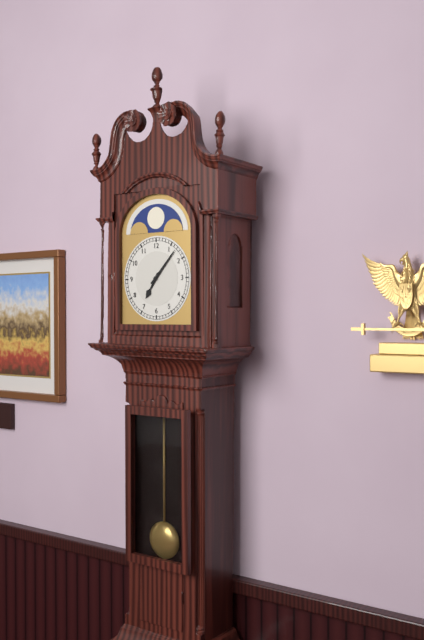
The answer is 7:07
